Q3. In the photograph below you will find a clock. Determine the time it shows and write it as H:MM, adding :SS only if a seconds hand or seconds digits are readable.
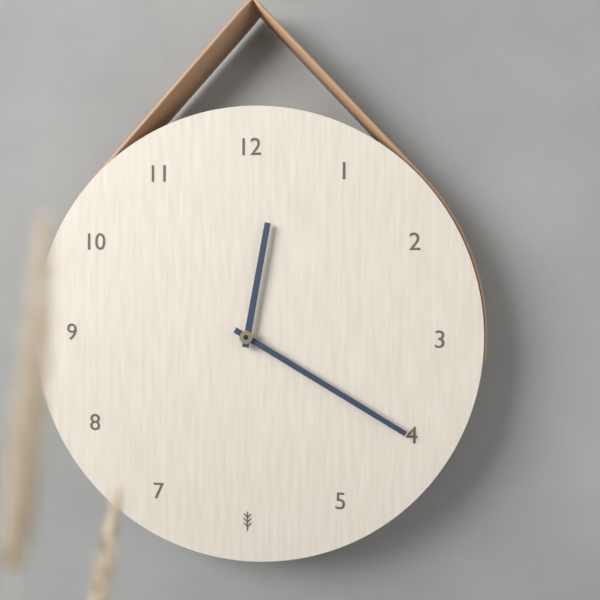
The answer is 12:20
